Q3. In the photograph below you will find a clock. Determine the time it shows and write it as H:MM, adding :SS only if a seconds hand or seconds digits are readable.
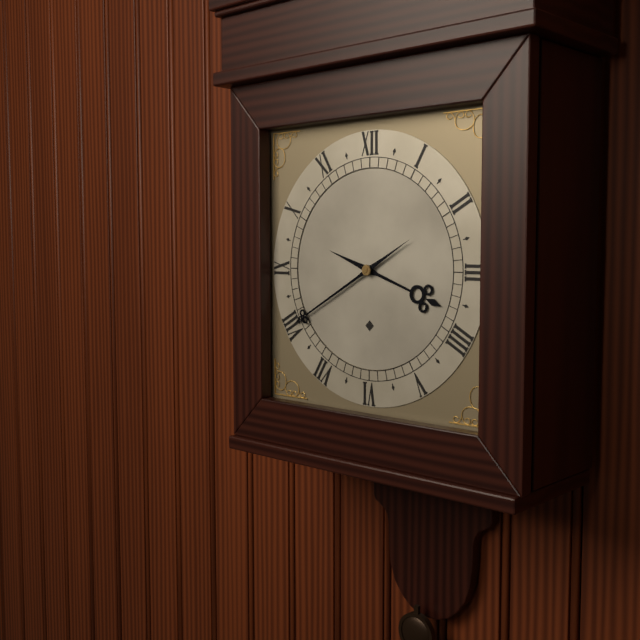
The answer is 3:40
